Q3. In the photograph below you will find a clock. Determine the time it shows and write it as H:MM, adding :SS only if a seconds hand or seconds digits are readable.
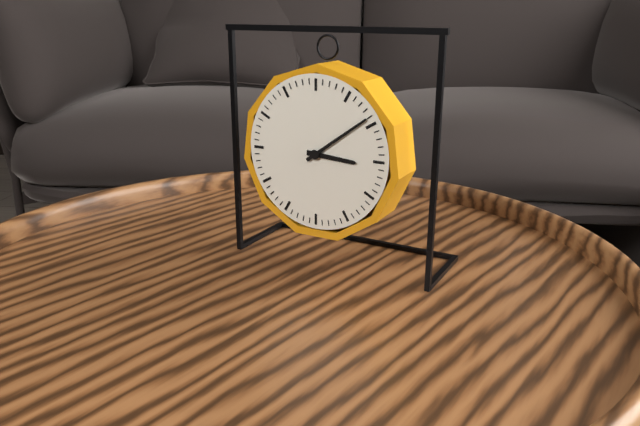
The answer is 3:09
